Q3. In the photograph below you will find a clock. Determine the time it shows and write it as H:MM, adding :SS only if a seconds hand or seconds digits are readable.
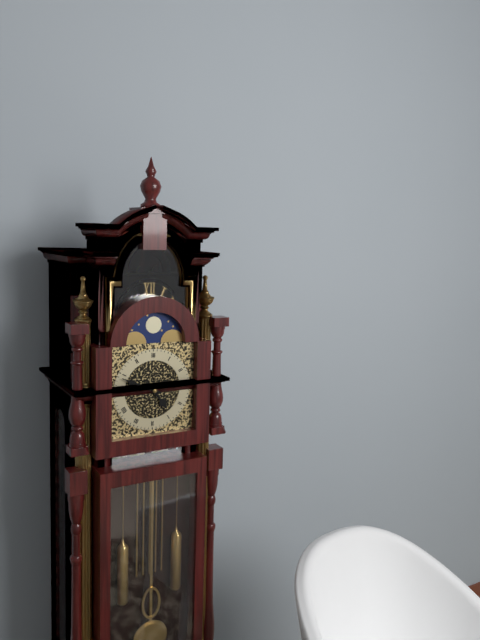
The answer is 4:49
